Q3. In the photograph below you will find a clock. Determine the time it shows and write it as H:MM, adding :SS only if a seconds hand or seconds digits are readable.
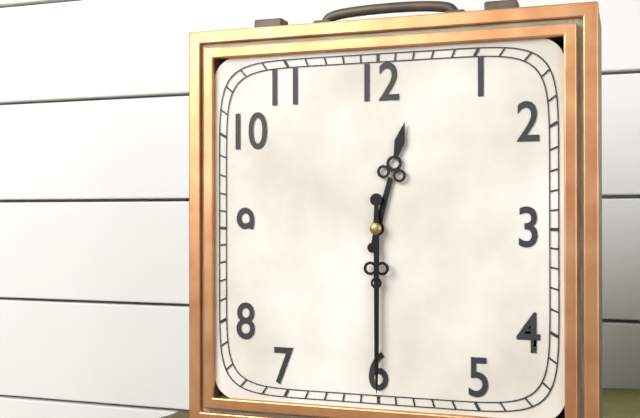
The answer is 12:30
